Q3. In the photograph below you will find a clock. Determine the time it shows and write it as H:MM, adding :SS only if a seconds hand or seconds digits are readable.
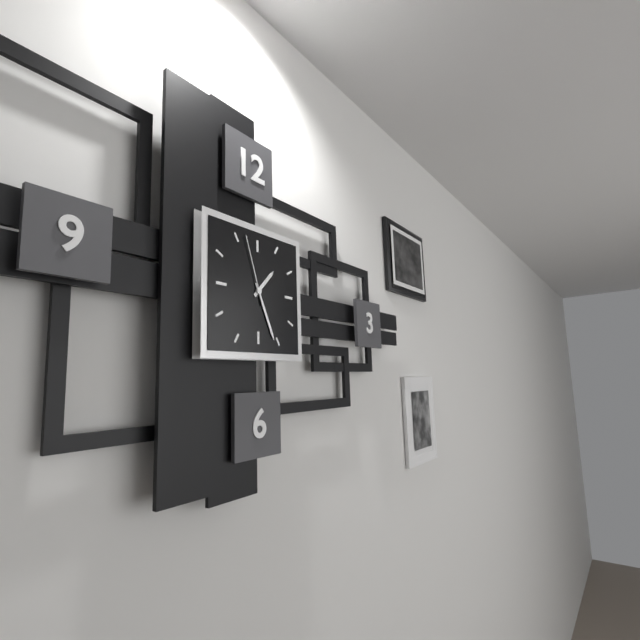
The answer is 1:26:57
